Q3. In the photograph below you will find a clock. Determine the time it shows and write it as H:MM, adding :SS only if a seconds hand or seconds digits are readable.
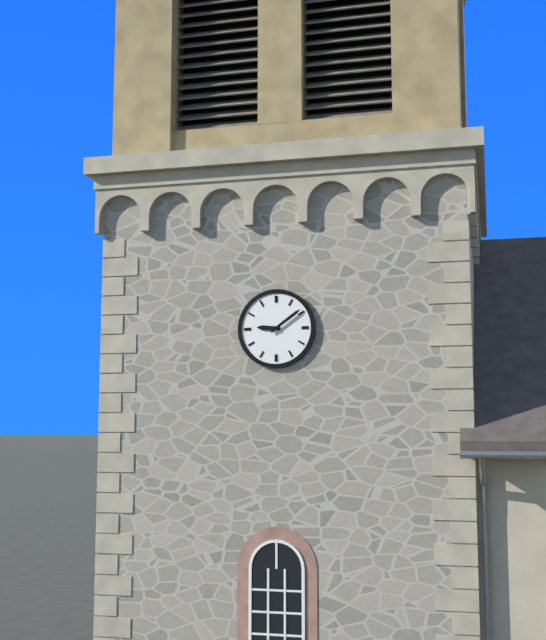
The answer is 9:09
